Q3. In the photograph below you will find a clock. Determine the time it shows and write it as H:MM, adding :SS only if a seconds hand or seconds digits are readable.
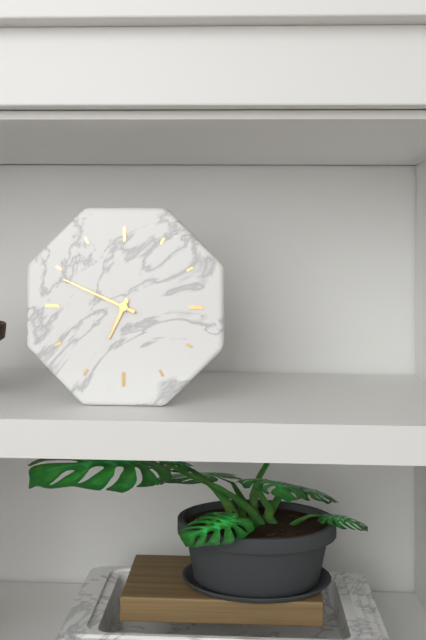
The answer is 6:49
